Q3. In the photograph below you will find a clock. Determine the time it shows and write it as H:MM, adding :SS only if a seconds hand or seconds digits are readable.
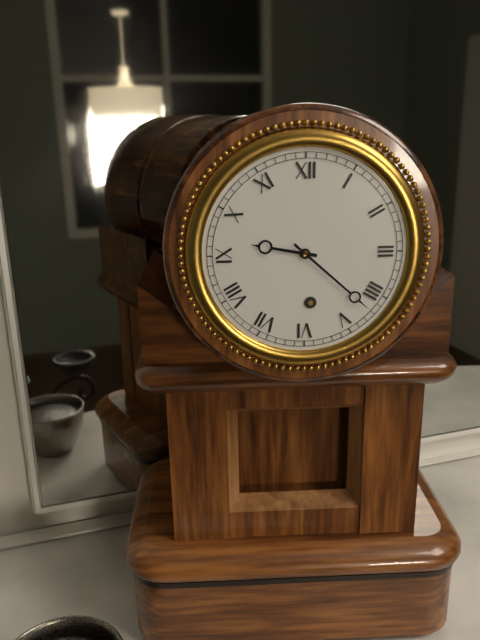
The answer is 9:22
